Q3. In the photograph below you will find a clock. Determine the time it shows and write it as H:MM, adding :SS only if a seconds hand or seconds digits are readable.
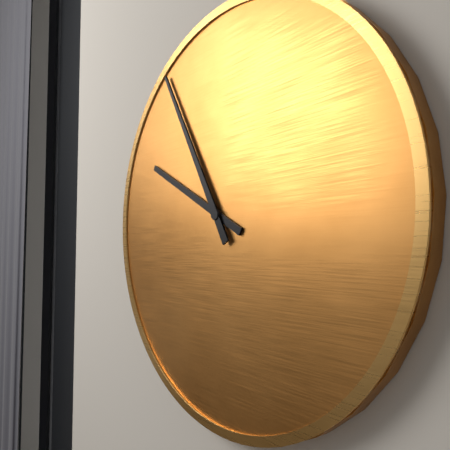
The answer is 9:55
